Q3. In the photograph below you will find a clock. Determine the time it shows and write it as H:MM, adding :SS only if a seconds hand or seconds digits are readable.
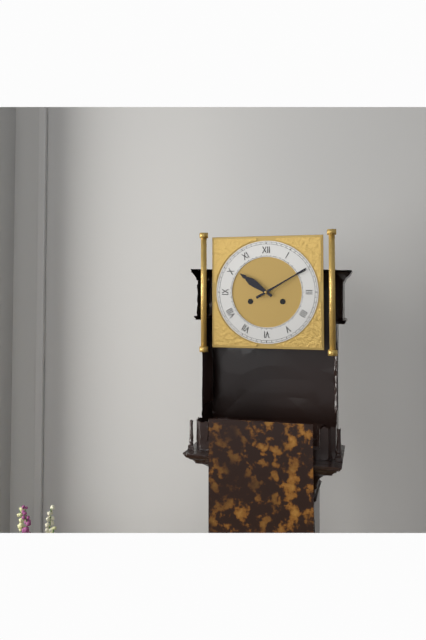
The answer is 10:10
